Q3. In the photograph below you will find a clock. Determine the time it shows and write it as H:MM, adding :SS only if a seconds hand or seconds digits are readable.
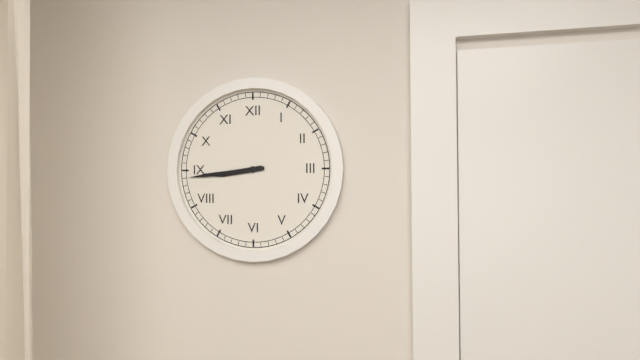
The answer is 8:44
